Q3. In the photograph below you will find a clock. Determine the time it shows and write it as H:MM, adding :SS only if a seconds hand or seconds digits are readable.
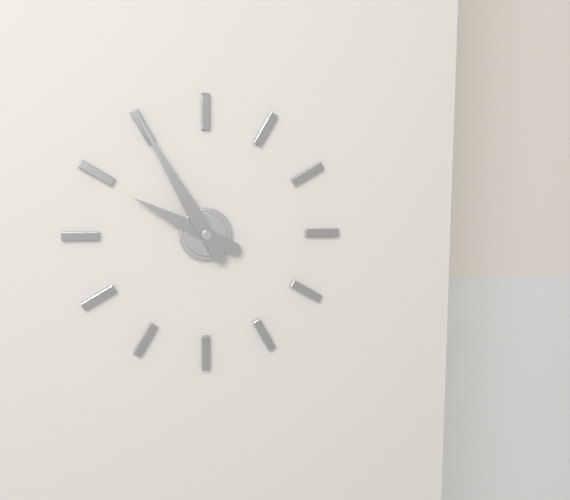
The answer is 9:55
